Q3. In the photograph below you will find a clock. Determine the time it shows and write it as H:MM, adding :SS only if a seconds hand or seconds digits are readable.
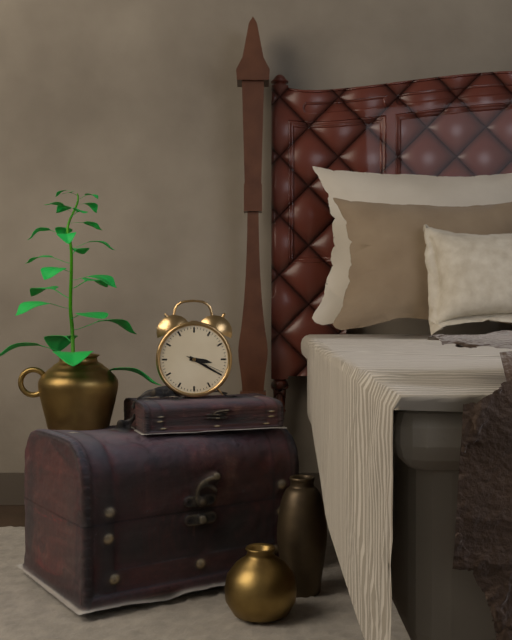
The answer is 3:20
